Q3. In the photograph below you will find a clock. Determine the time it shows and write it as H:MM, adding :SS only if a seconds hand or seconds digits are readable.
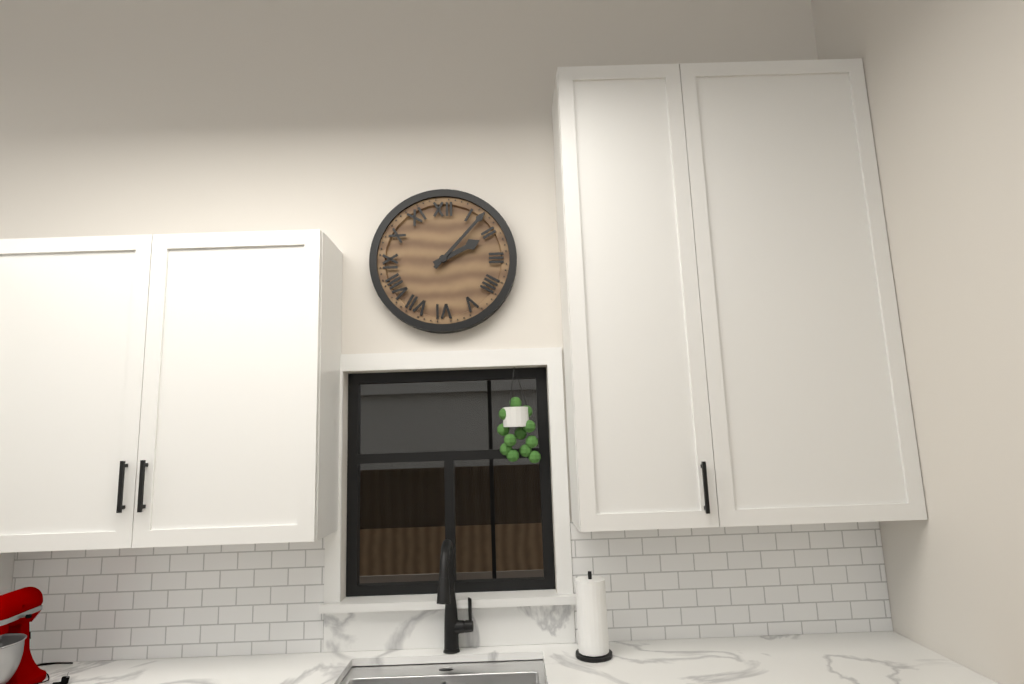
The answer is 2:07
